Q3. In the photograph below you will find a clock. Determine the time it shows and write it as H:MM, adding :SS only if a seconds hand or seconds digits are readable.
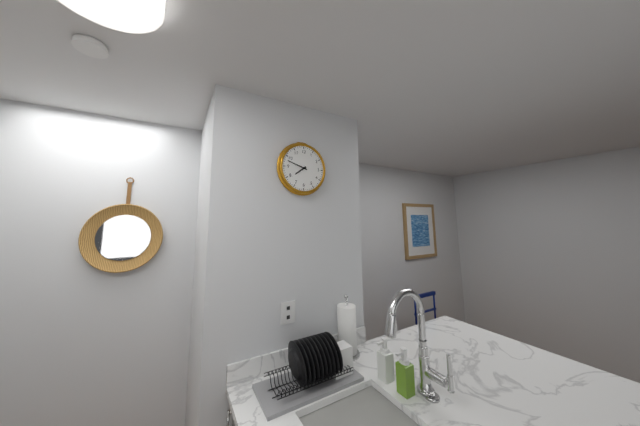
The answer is 7:48
